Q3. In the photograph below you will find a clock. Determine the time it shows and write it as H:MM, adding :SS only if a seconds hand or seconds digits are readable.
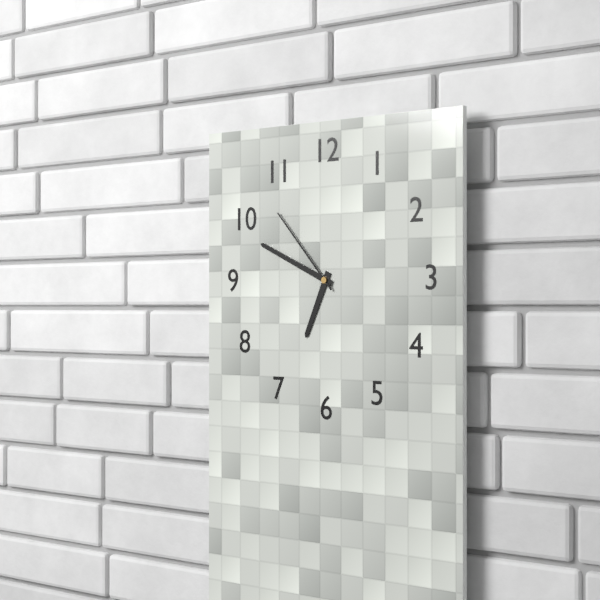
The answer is 6:49:53
